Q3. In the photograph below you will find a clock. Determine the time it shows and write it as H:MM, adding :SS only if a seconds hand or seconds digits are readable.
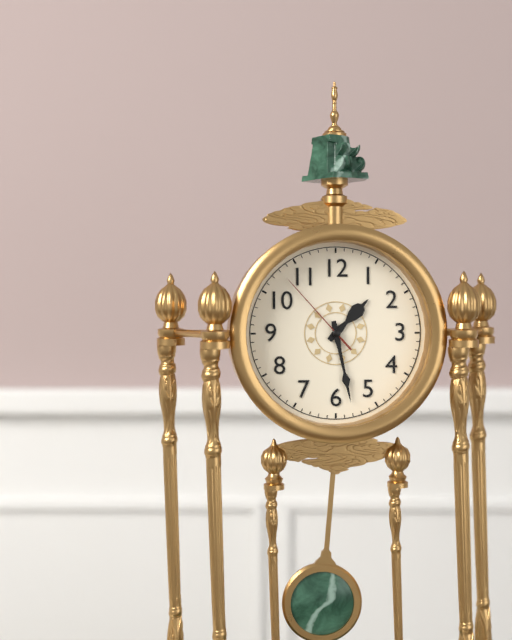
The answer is 1:28:53
